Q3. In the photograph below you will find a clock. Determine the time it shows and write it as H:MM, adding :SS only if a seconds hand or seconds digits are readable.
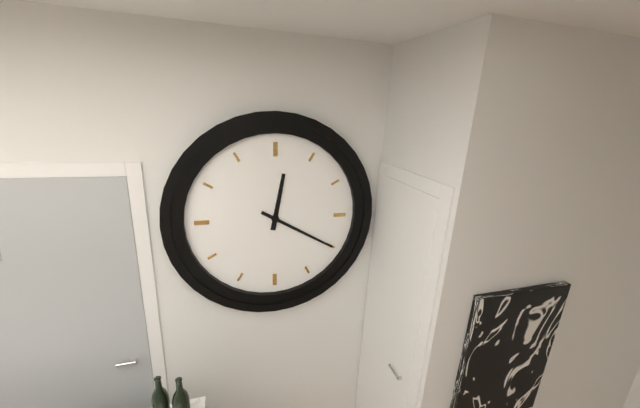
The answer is 12:20
